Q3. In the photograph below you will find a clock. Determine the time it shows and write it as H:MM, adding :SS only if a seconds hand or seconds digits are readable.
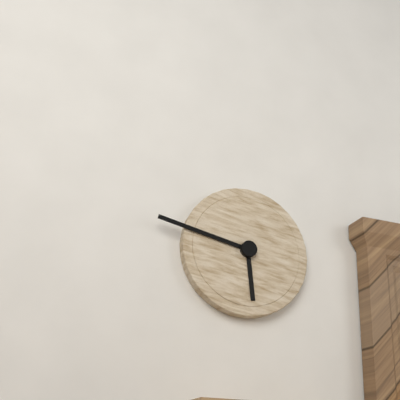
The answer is 5:47
